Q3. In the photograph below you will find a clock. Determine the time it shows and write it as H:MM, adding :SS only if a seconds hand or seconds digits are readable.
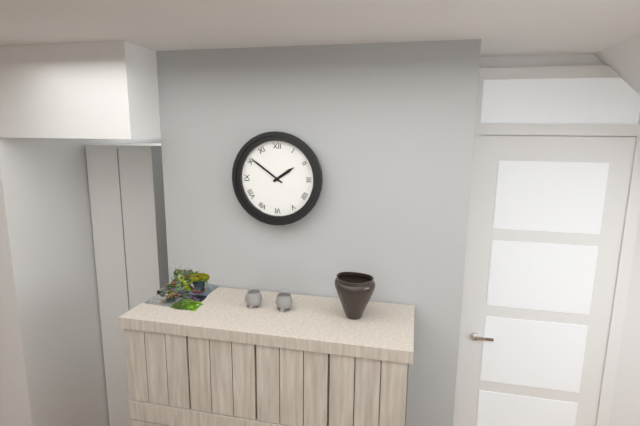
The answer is 1:51
